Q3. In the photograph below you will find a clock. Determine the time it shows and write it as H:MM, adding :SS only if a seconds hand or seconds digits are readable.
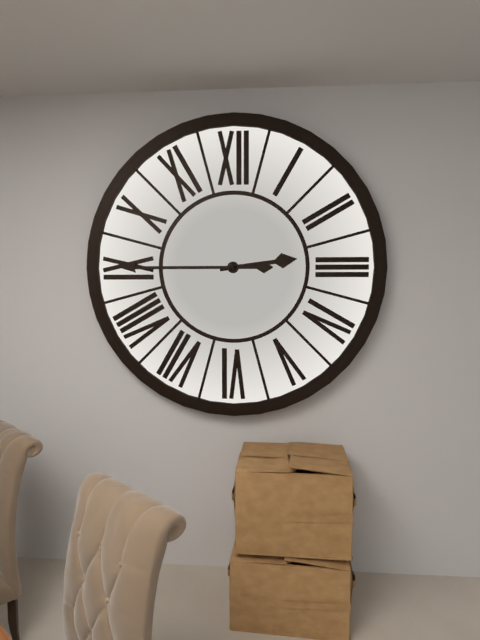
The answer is 2:45
